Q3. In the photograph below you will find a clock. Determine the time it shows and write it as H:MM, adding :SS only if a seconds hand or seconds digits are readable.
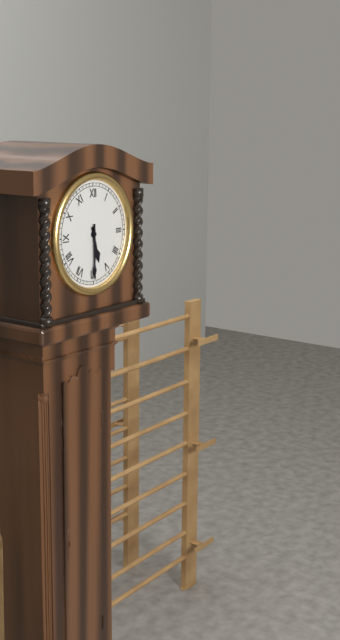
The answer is 5:30
